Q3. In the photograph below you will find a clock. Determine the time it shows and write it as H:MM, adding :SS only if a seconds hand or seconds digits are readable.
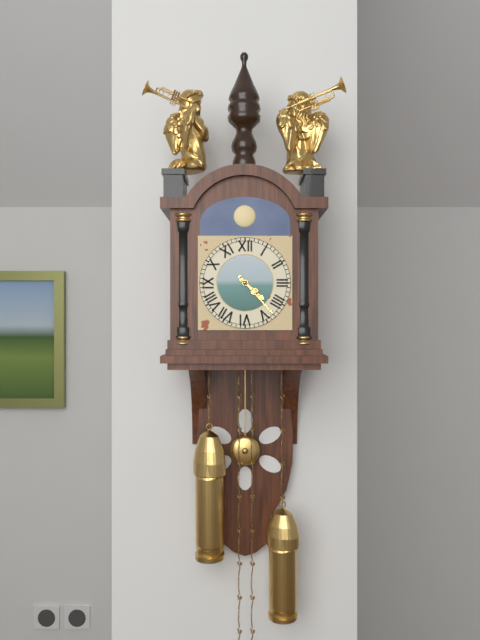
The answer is 4:23
